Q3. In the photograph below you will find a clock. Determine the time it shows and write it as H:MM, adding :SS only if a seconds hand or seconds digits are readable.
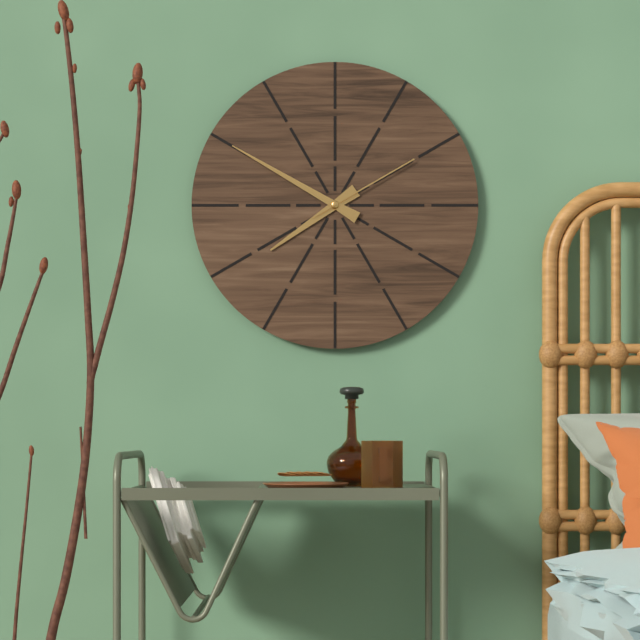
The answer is 7:50:10
